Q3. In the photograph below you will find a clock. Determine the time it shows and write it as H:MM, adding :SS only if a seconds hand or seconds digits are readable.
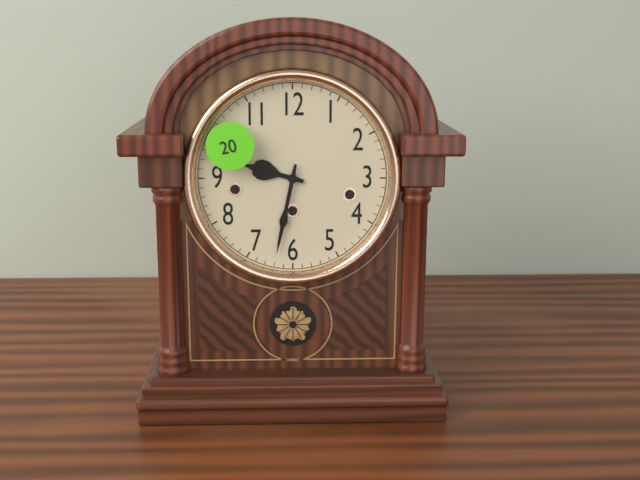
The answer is 9:32
